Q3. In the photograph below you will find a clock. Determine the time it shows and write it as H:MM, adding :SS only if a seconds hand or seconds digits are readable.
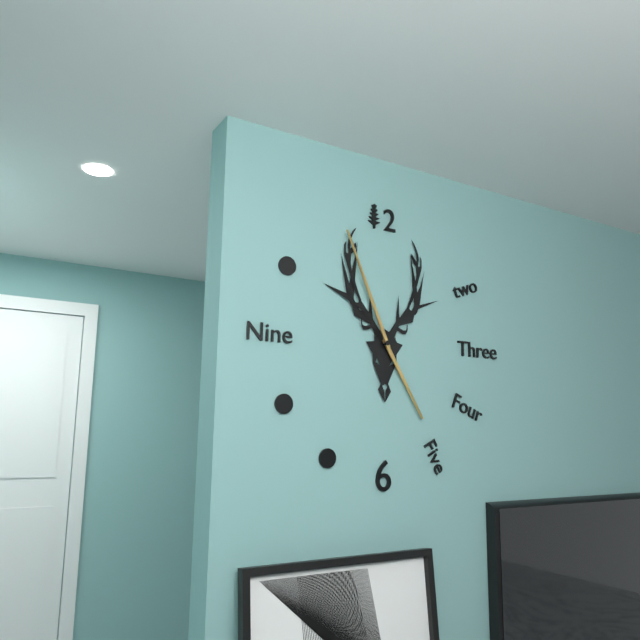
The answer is 4:56
